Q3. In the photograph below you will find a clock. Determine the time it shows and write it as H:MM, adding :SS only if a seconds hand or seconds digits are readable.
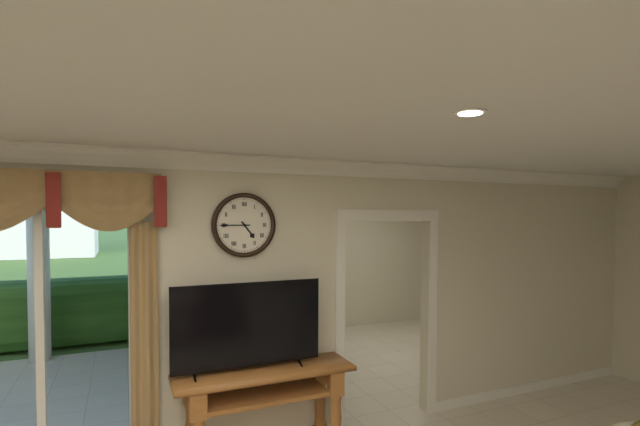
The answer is 4:45
